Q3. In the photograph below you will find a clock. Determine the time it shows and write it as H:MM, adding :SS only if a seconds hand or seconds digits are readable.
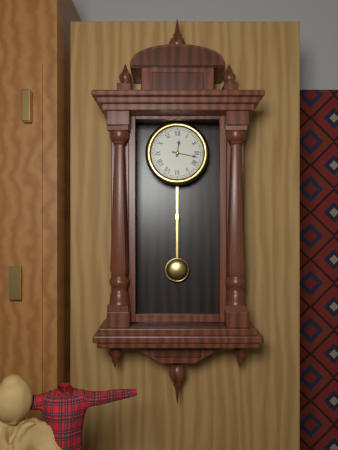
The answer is 12:17
